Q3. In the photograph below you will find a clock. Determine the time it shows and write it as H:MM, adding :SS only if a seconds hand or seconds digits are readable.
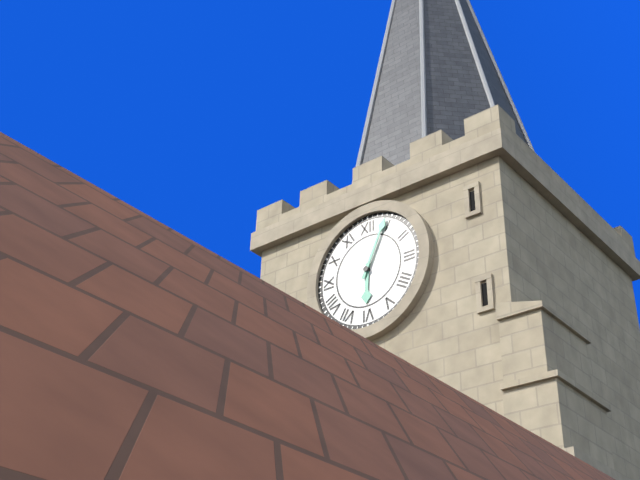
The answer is 6:04
